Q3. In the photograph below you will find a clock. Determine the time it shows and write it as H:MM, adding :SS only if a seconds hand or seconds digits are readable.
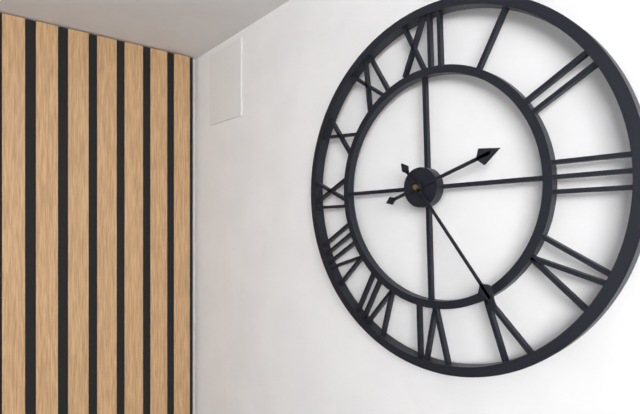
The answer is 2:24
